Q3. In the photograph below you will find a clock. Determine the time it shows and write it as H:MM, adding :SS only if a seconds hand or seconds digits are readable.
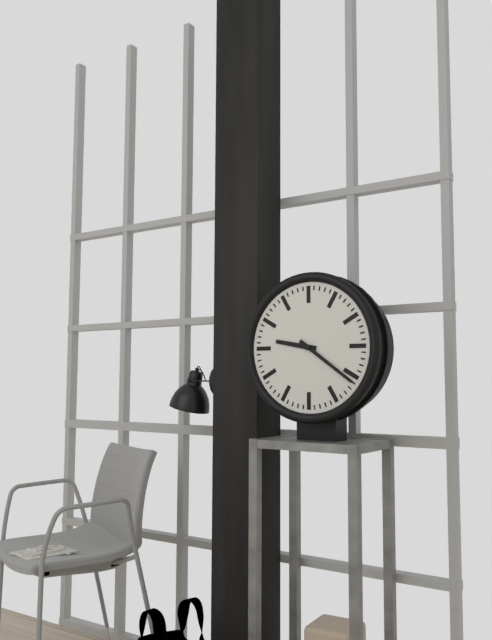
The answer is 9:21
